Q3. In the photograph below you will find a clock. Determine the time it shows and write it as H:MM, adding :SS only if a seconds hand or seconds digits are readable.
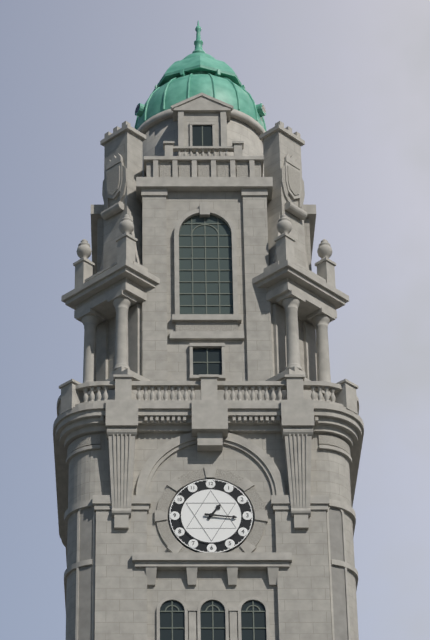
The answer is 1:16
